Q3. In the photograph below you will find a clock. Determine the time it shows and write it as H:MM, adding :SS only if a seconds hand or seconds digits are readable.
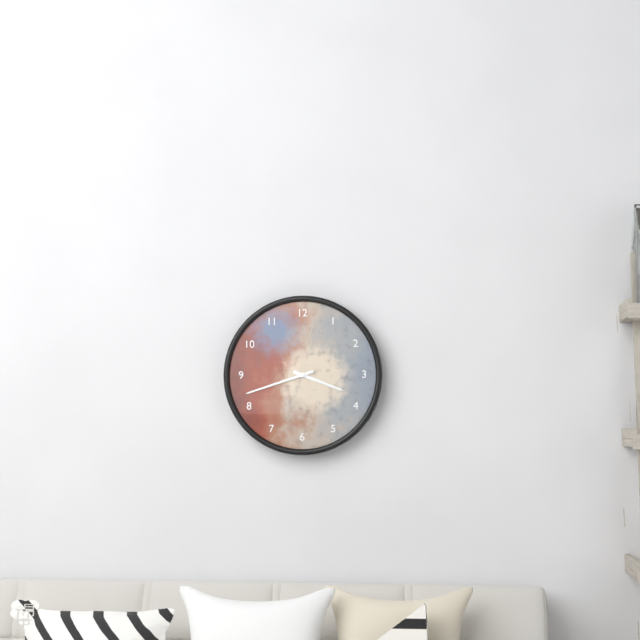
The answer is 3:42
